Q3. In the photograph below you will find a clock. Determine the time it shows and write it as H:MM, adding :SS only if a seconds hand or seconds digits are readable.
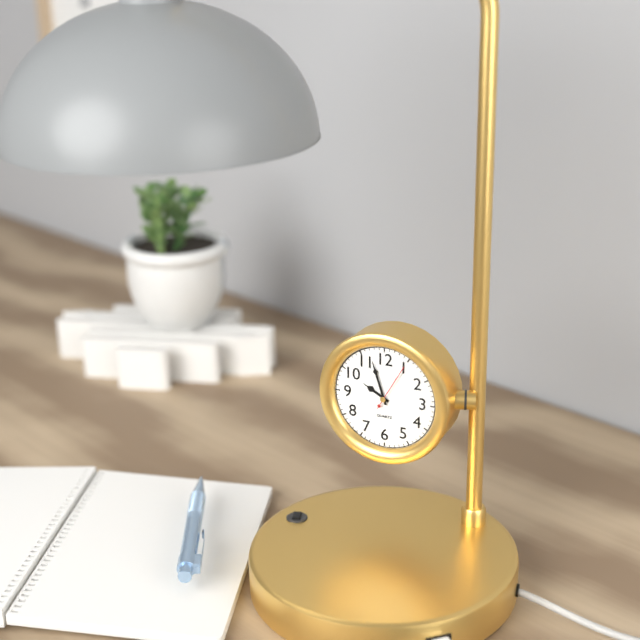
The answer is 9:57
